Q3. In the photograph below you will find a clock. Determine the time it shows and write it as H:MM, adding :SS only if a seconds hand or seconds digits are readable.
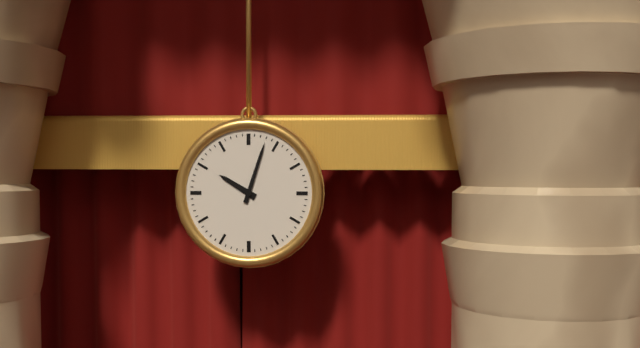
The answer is 10:03
